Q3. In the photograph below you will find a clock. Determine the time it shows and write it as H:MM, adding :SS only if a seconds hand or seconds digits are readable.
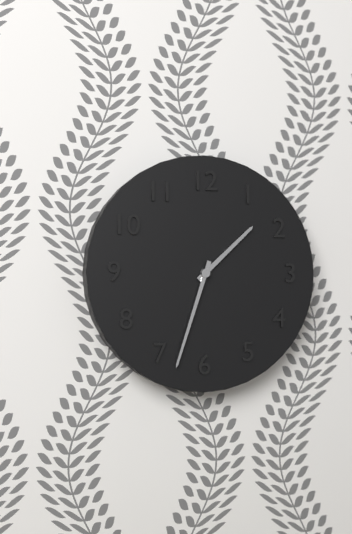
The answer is 1:33
